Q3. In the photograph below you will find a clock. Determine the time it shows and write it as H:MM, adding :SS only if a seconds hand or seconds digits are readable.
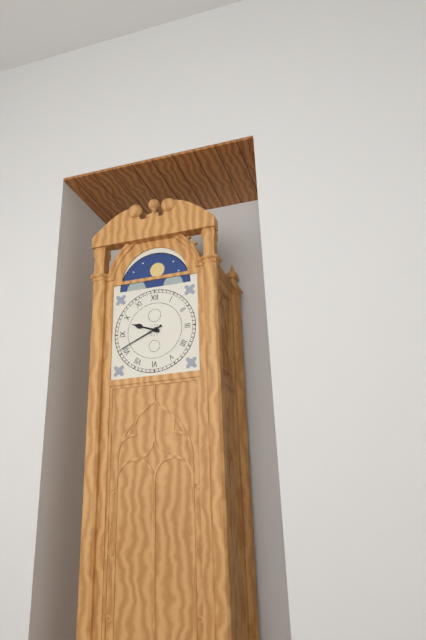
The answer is 9:41
